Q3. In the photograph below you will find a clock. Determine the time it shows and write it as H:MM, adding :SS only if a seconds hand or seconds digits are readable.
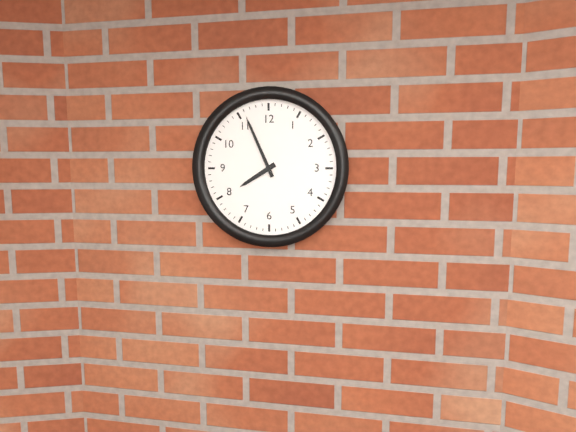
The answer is 7:56
